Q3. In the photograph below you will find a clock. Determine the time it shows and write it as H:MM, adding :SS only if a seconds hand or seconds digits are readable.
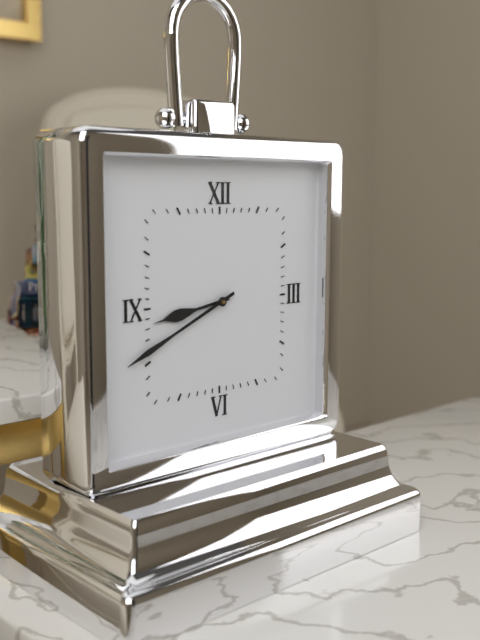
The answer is 8:41
